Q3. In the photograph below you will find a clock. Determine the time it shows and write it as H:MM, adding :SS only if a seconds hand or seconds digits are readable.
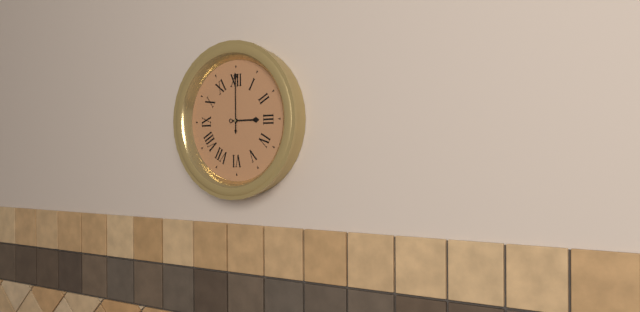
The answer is 3:00
